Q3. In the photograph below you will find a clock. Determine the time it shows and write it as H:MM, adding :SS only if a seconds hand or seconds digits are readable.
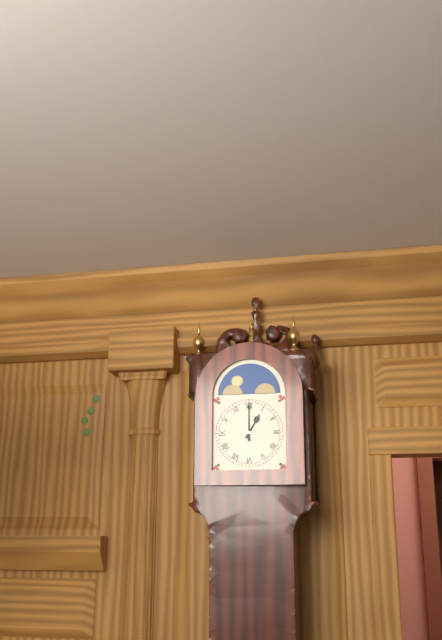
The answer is 1:00
